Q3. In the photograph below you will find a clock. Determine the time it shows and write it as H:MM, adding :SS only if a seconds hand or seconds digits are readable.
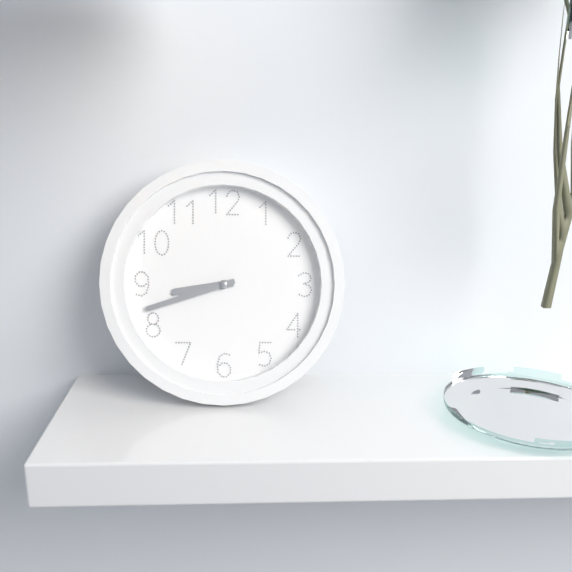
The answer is 8:42
